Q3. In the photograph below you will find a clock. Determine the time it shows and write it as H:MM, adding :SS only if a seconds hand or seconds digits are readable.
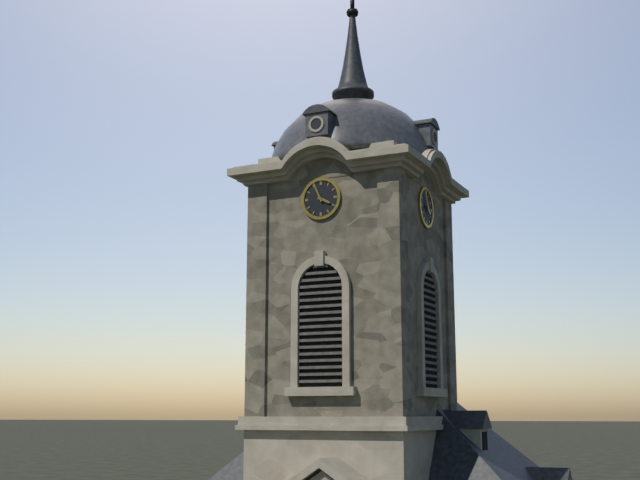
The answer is 3:56
